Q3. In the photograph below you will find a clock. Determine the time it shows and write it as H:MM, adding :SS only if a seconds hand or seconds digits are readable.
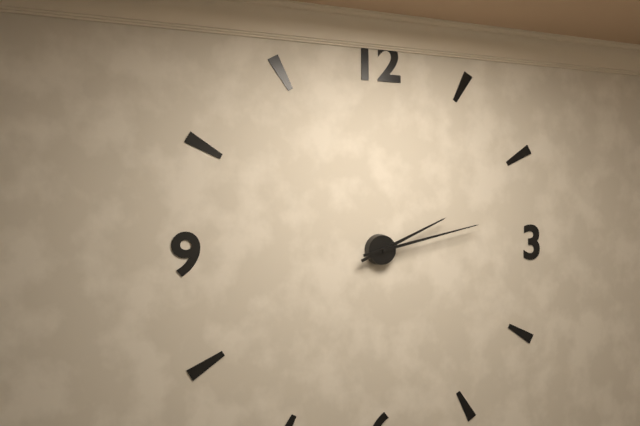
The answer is 2:13
